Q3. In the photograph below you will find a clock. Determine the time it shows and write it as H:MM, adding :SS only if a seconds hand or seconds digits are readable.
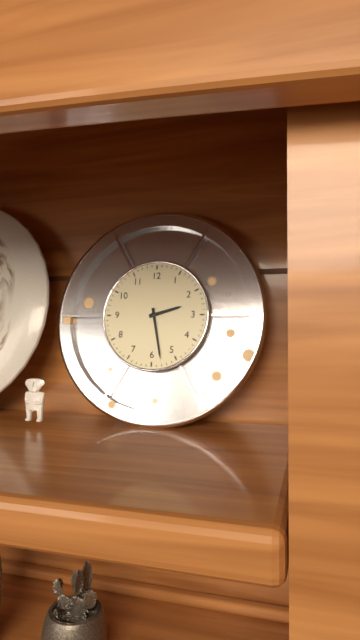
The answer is 2:28
